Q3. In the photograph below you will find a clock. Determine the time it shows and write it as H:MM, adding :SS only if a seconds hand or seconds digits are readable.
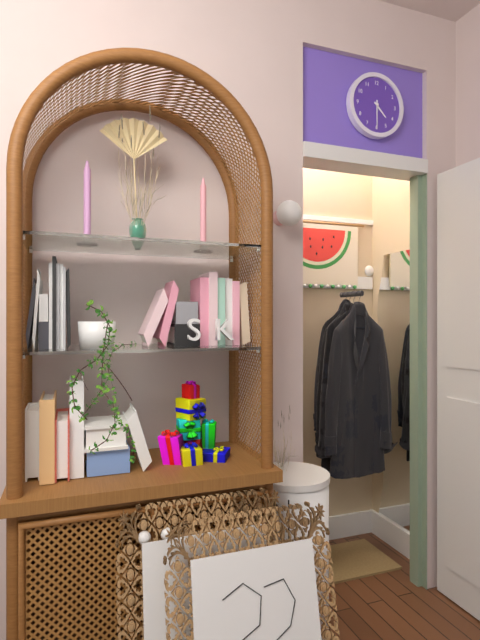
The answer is 4:30
